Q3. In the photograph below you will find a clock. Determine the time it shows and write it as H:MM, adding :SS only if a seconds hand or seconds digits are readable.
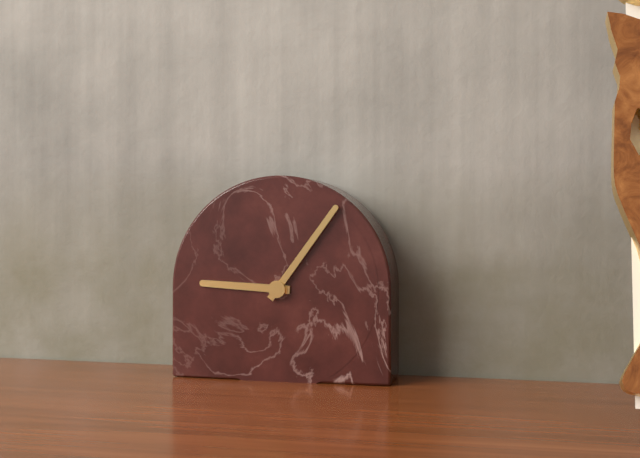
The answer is 9:06
